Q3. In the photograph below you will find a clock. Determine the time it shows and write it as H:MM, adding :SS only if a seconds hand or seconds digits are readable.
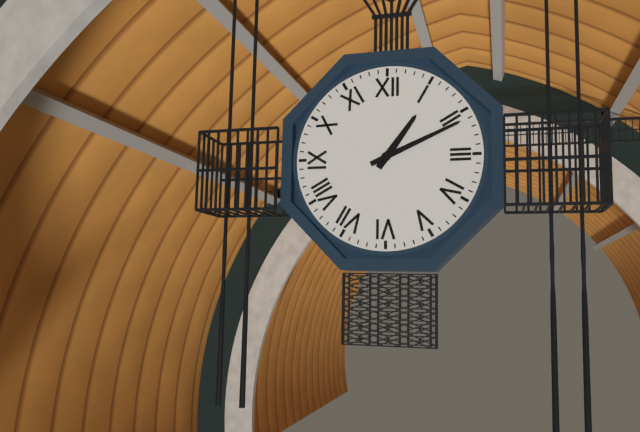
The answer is 1:11
